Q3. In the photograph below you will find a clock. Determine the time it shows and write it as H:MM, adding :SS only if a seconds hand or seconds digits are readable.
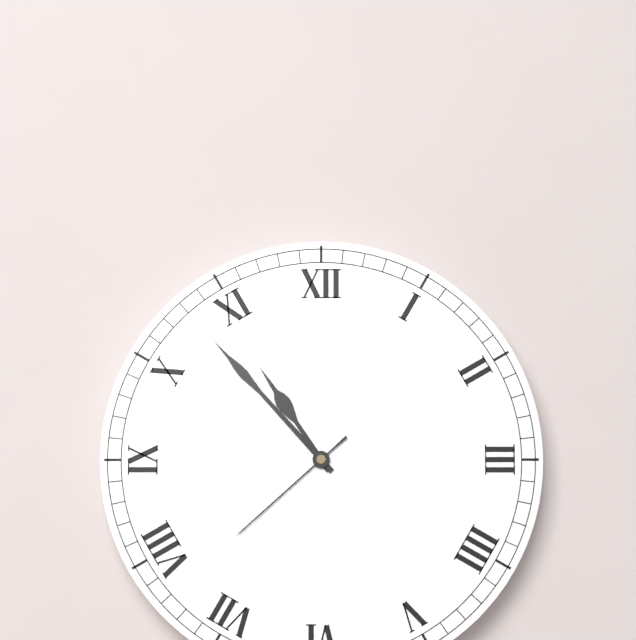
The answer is 10:53:38
